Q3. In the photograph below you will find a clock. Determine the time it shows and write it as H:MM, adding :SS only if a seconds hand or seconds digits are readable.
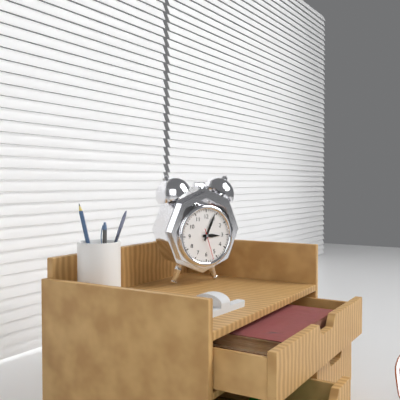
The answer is 3:04
